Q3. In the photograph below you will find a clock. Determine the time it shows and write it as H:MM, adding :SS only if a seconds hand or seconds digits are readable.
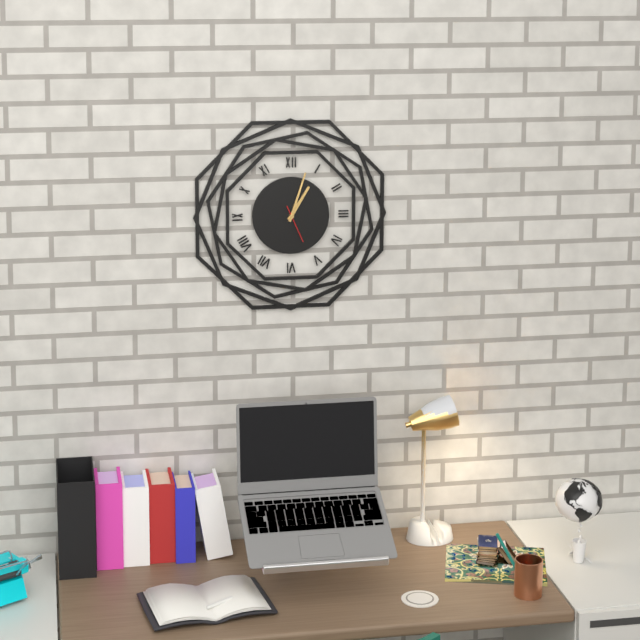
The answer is 1:03
